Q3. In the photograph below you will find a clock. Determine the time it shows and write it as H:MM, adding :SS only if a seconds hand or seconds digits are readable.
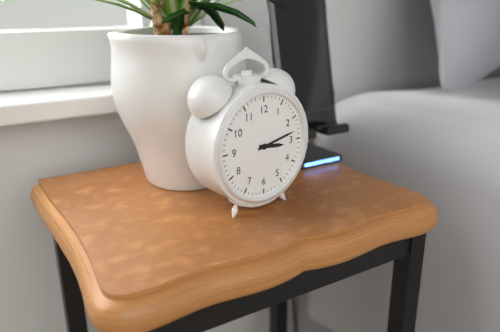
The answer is 3:13
